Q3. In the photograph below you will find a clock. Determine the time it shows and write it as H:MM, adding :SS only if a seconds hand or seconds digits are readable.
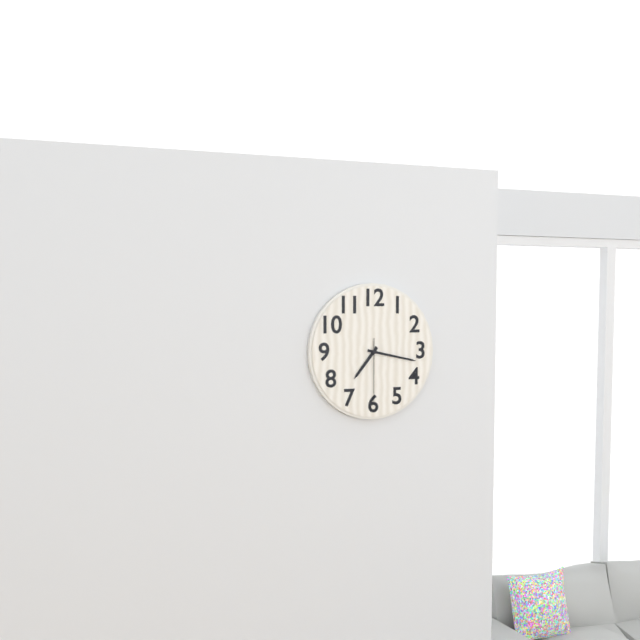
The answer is 7:17:30
